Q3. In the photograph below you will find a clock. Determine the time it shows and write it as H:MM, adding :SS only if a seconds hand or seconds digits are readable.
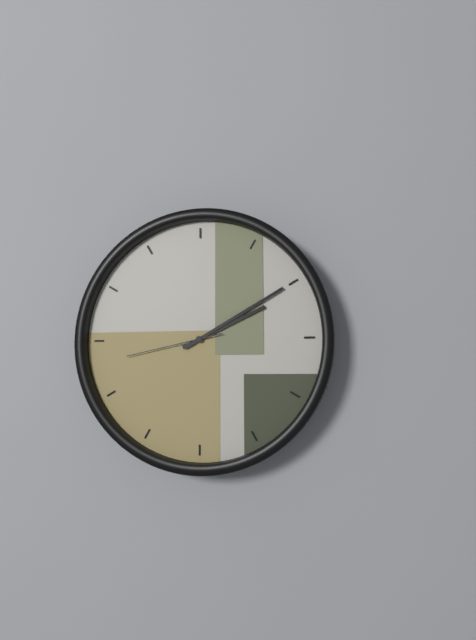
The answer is 2:10:43
